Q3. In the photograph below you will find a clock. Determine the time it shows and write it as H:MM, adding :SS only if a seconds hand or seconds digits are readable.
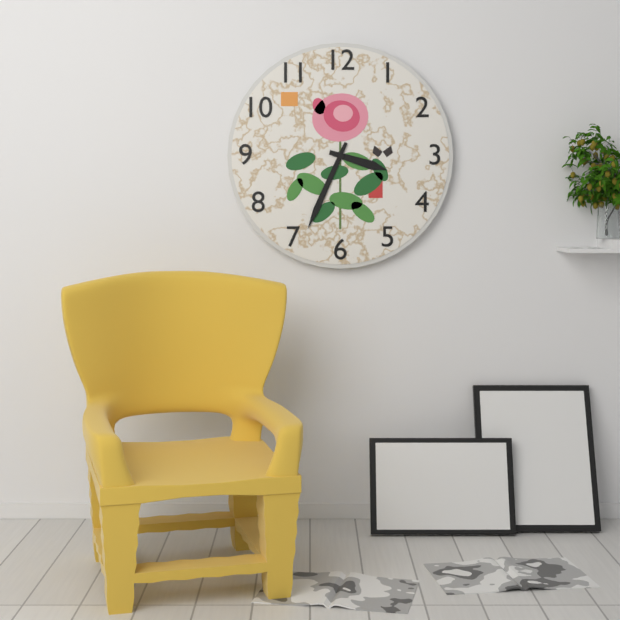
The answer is 3:34
